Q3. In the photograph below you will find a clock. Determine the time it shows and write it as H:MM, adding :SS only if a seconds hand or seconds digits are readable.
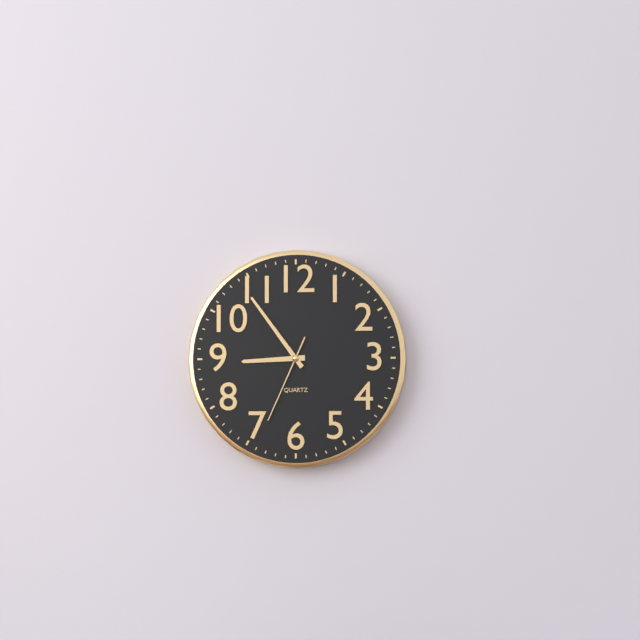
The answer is 8:54:34
